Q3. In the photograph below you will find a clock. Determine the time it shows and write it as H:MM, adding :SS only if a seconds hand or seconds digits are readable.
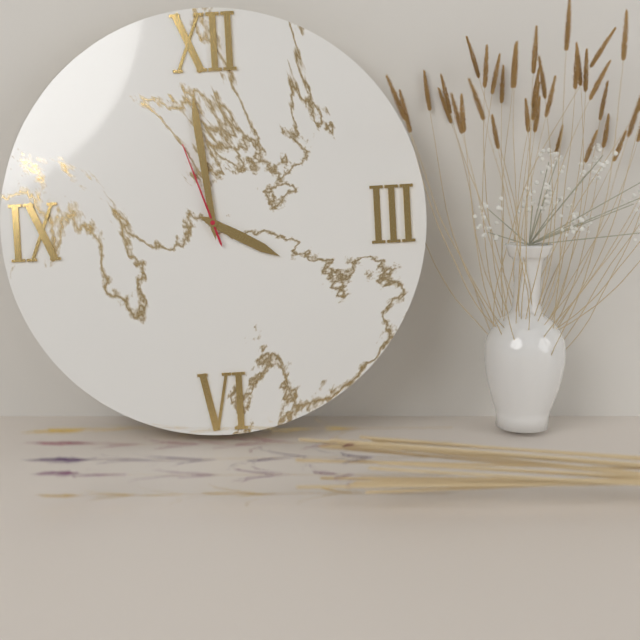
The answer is 3:59:57
